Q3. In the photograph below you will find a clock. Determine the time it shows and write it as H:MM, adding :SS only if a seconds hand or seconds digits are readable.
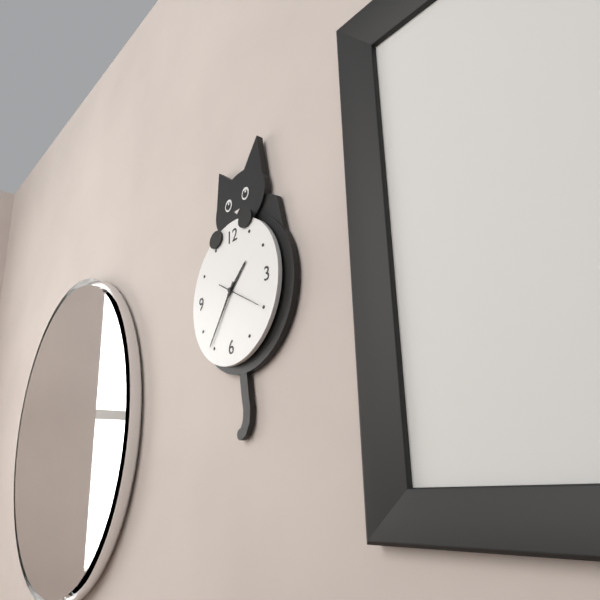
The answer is 1:36
